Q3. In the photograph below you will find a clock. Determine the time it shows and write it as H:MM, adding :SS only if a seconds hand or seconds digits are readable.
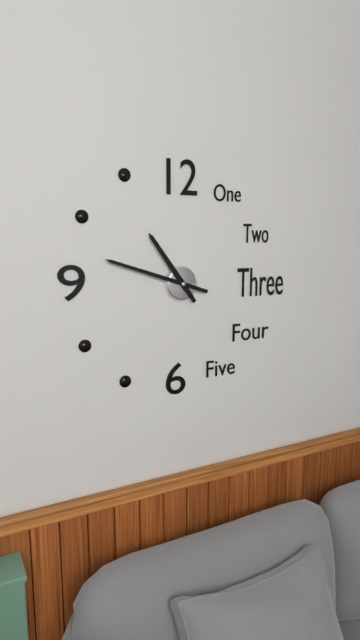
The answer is 10:48
